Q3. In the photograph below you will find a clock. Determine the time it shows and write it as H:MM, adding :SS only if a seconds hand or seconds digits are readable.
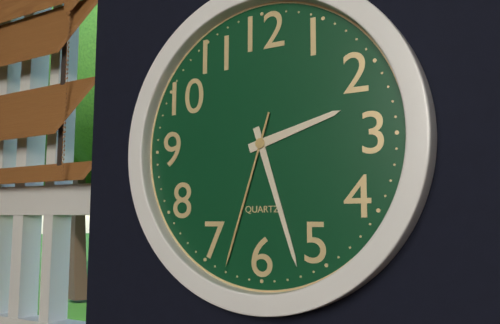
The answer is 2:27:33
